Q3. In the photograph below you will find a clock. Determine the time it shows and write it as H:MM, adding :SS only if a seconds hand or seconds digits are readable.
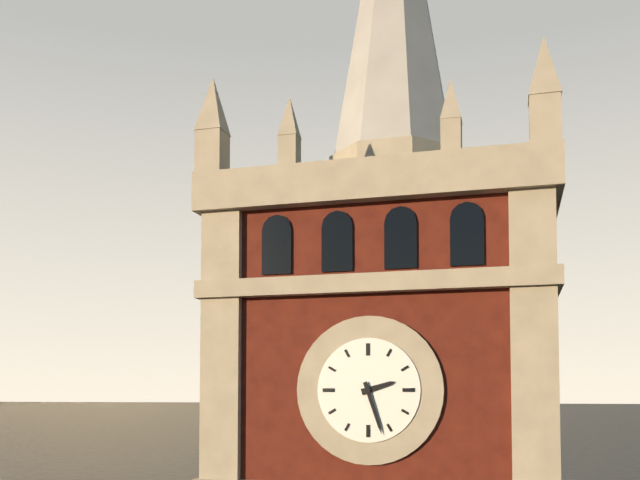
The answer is 2:27
